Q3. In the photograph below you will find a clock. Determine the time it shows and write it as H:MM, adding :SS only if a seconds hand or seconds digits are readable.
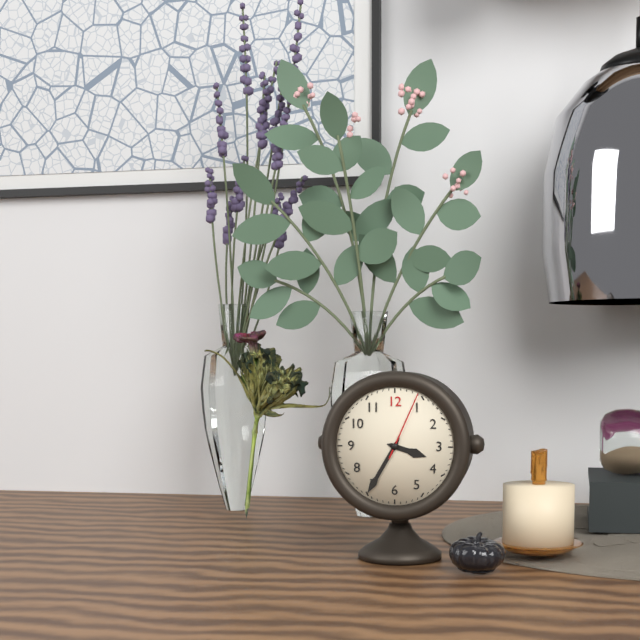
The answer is 3:35:04
